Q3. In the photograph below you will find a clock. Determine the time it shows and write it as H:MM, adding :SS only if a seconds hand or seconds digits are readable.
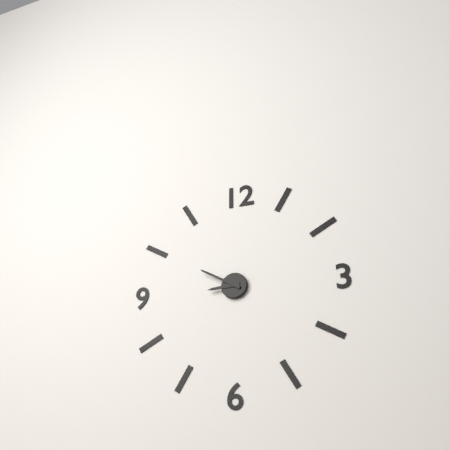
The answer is 8:50
